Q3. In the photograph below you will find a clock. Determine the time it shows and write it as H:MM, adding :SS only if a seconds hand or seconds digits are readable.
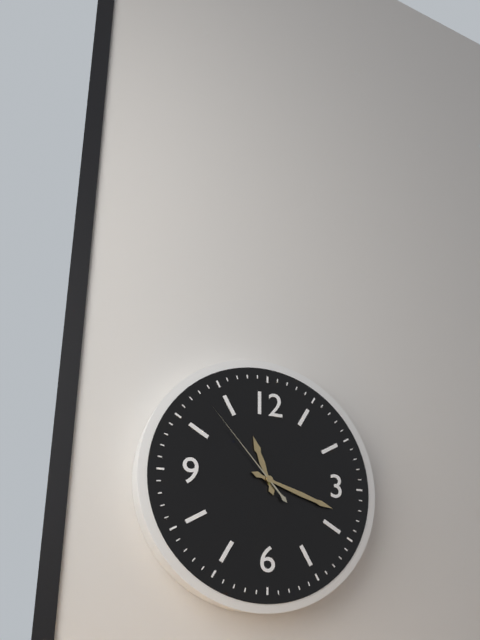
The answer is 11:18:53
